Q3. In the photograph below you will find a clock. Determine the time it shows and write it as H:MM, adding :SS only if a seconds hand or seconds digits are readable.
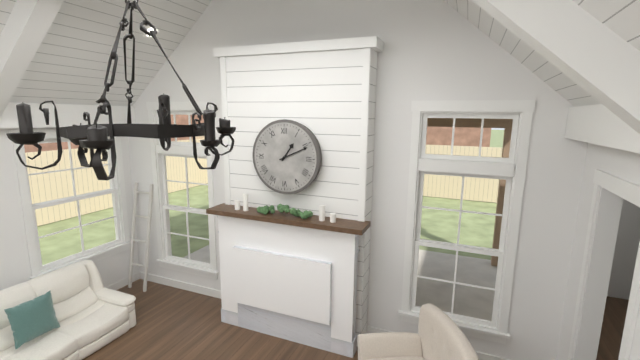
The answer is 1:11
